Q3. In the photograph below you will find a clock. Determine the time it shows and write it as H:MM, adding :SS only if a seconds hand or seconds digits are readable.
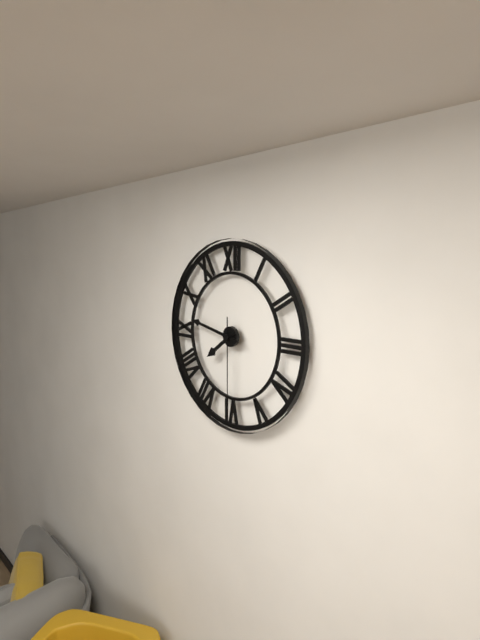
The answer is 7:47:30
